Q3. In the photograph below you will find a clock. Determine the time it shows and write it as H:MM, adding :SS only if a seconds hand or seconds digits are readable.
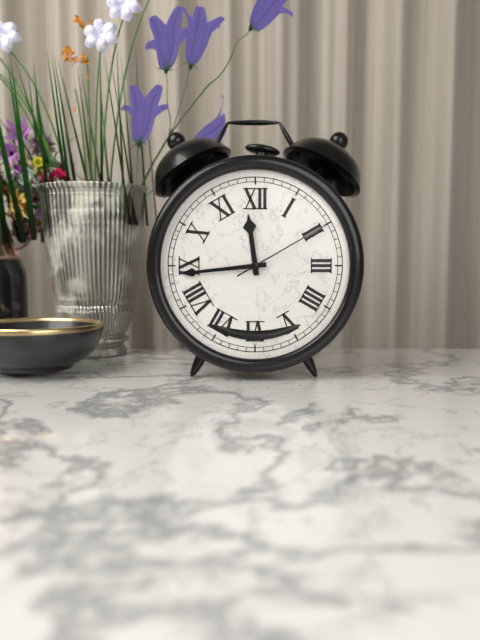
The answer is 11:44:10
